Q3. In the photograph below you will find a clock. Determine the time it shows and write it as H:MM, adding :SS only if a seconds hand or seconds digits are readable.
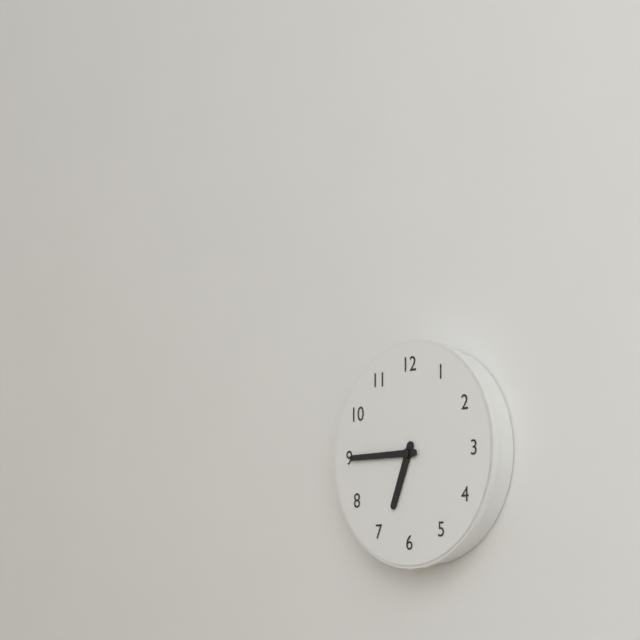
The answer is 6:45
